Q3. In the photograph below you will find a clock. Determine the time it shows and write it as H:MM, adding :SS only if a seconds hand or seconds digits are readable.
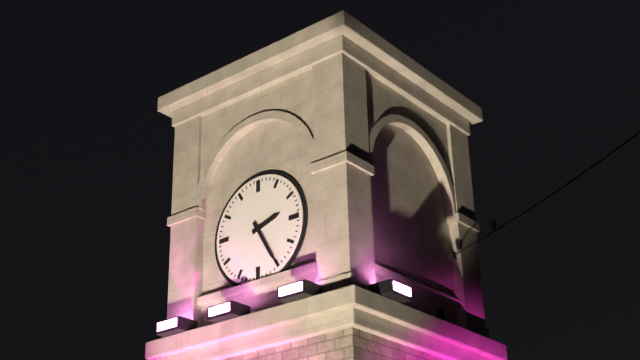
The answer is 2:25
